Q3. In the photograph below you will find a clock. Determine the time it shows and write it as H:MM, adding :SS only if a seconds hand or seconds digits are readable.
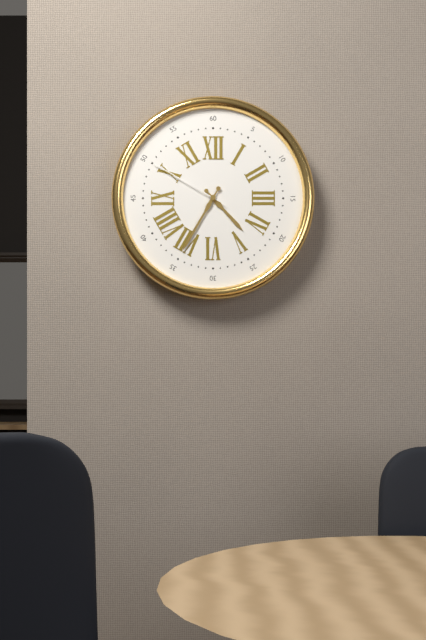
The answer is 4:35:50
